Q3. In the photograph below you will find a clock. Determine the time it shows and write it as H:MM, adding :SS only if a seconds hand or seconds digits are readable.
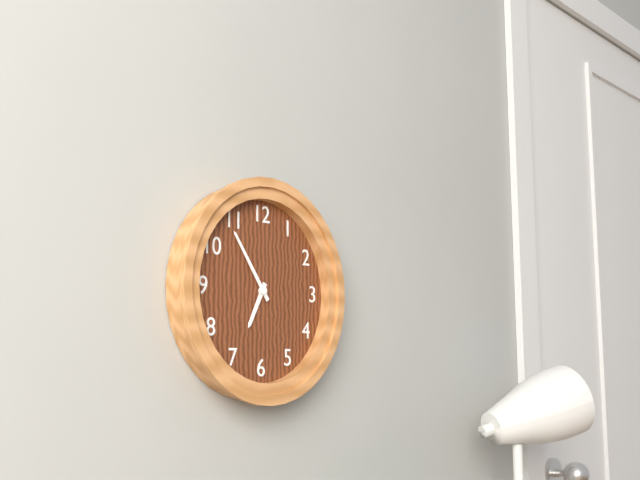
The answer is 6:54
